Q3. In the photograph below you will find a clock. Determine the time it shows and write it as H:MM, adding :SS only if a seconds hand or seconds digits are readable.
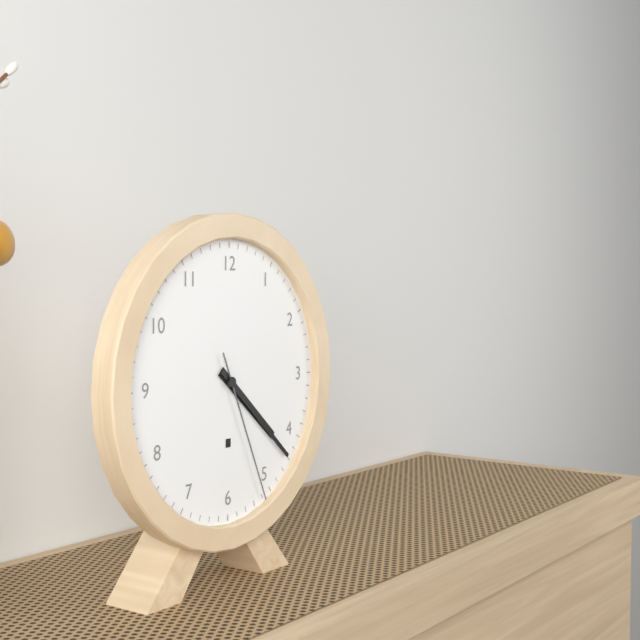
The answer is 4:22:26
